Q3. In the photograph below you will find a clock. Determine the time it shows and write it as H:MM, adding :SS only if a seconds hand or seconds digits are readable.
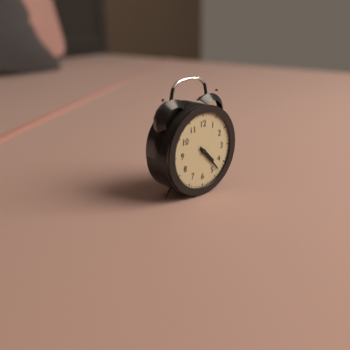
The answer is 4:23
